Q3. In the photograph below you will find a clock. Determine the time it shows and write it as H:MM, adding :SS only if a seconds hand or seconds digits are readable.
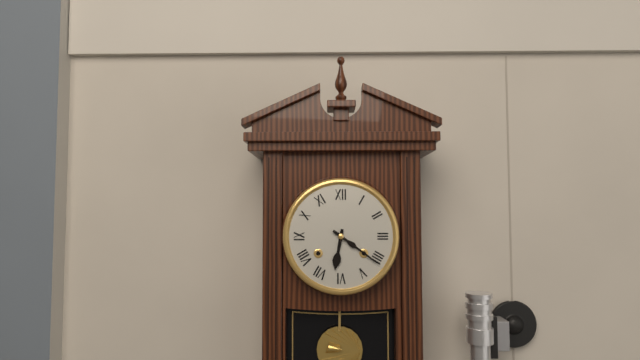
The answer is 6:21
